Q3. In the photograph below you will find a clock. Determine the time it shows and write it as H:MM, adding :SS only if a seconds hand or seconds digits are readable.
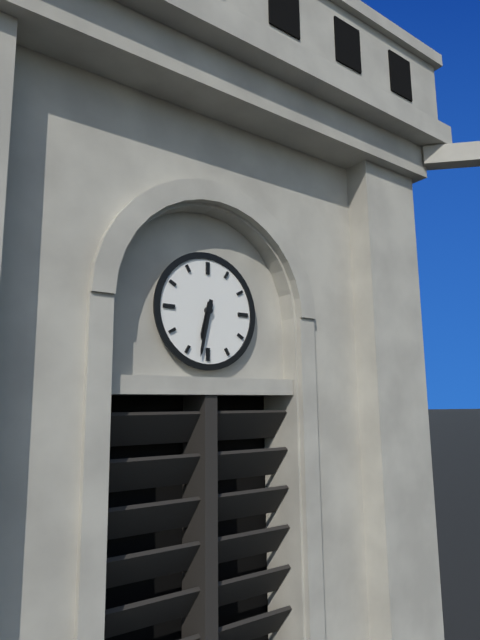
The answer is 6:32
